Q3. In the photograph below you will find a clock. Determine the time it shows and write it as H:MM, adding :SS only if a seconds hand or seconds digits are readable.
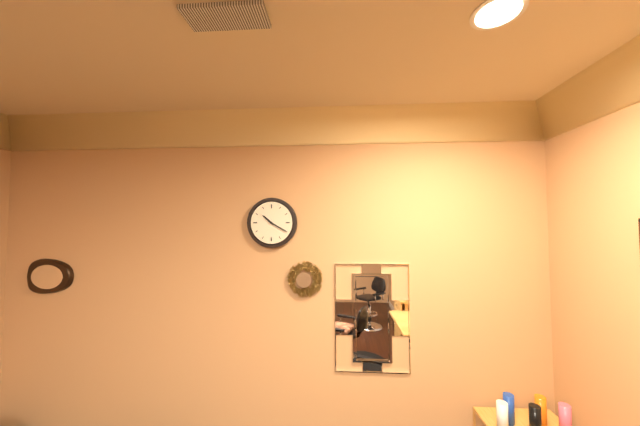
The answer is 10:20
